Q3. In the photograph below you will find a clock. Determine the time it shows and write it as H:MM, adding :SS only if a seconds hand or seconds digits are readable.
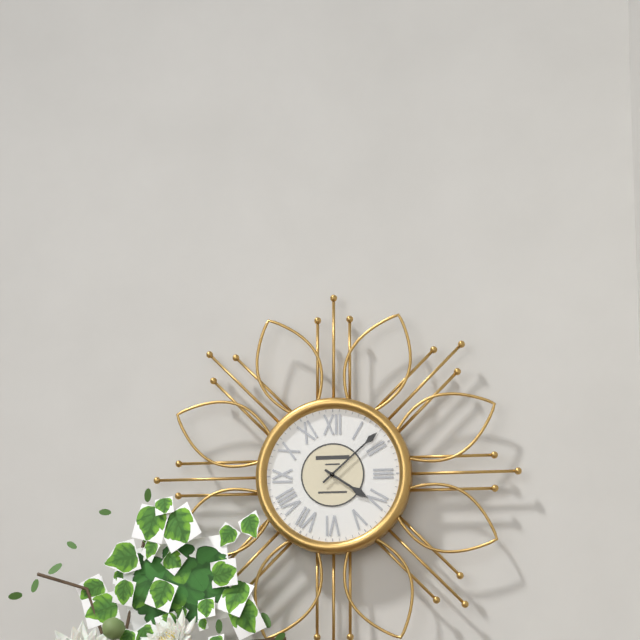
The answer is 4:08
